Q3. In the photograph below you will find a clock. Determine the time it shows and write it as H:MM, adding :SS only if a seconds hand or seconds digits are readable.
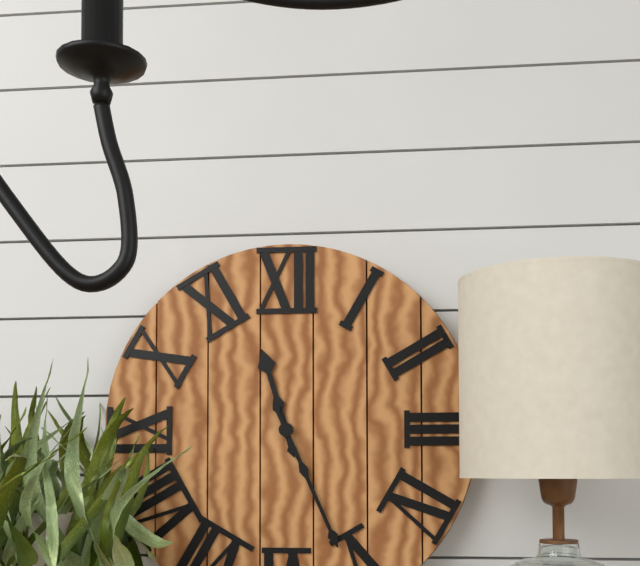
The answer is 11:26
